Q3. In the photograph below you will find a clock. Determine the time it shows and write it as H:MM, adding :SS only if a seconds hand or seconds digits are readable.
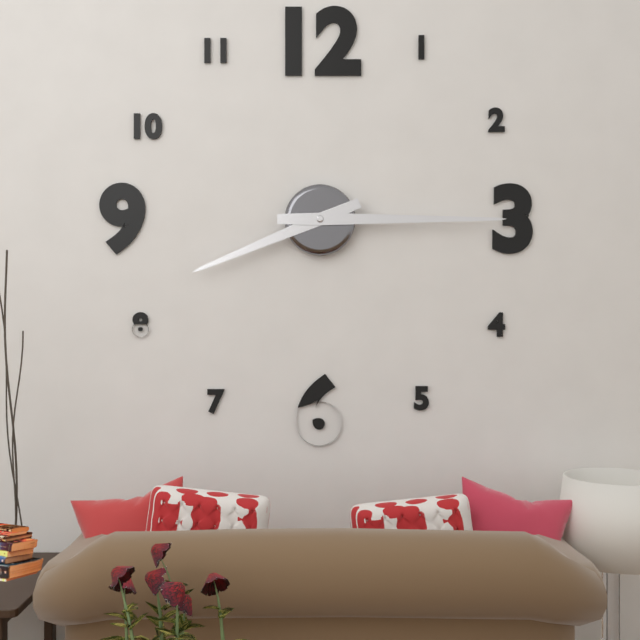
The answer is 8:15
